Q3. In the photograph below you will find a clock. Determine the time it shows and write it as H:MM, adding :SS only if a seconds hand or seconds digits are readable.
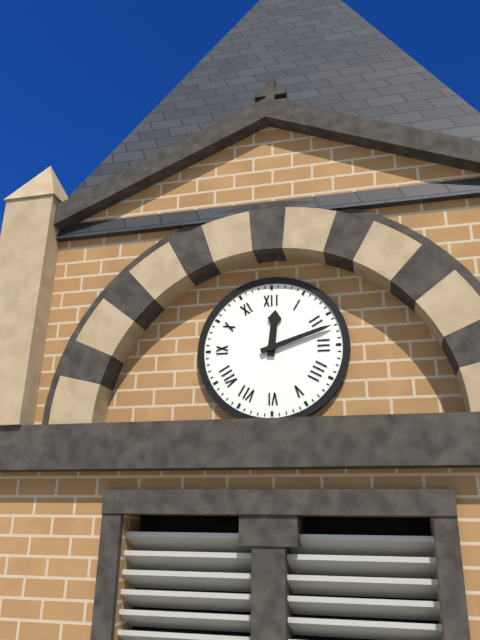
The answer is 12:12
